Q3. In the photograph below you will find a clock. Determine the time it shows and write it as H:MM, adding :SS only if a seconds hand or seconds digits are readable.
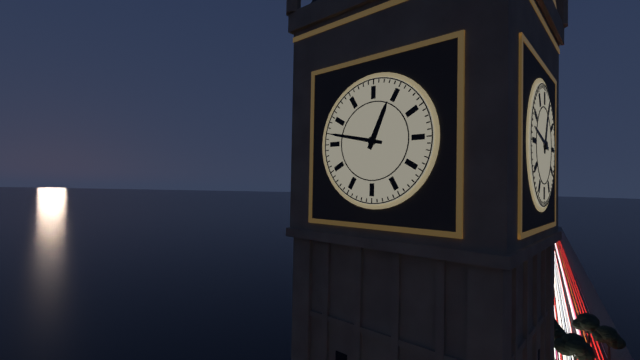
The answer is 12:47
